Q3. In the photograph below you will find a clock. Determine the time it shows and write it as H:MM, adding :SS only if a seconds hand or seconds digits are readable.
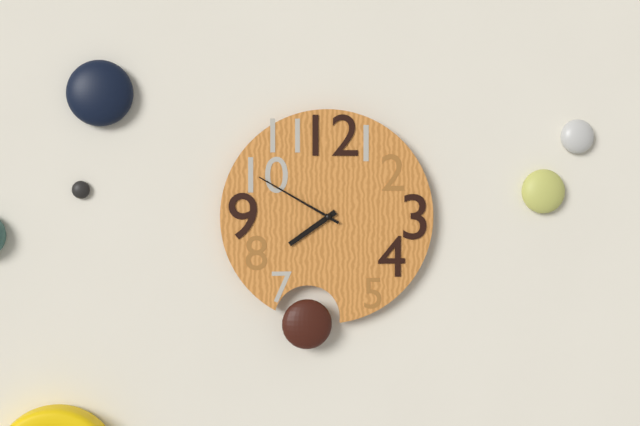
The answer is 7:50
